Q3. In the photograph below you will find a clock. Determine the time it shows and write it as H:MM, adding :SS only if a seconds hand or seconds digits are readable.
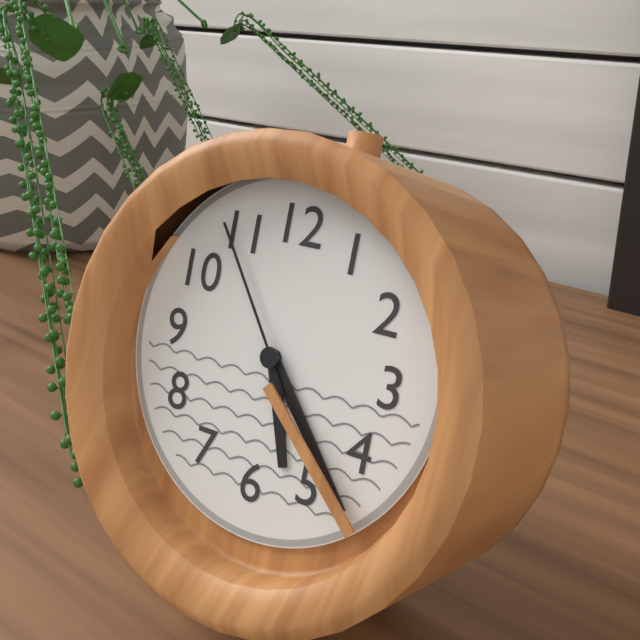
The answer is 5:23:54
